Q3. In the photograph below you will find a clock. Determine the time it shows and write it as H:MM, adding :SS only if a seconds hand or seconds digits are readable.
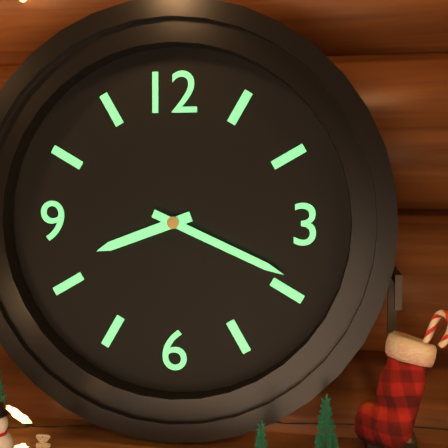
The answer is 8:19
